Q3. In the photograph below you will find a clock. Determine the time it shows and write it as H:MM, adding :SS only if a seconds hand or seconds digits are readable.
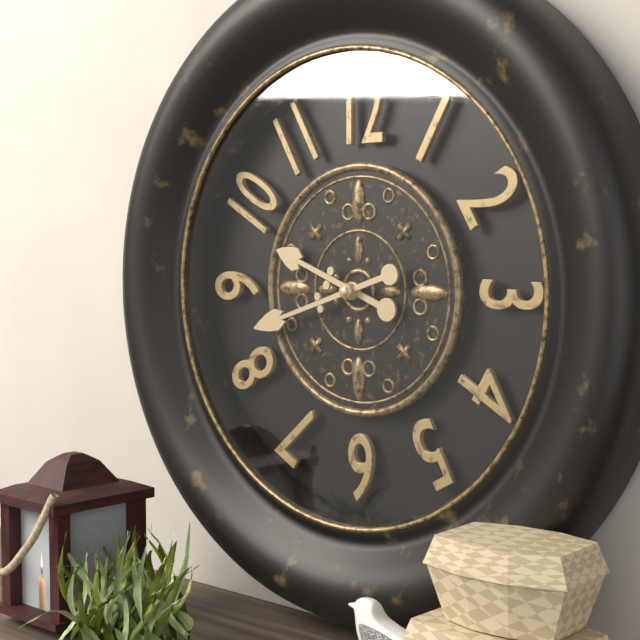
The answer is 9:42
